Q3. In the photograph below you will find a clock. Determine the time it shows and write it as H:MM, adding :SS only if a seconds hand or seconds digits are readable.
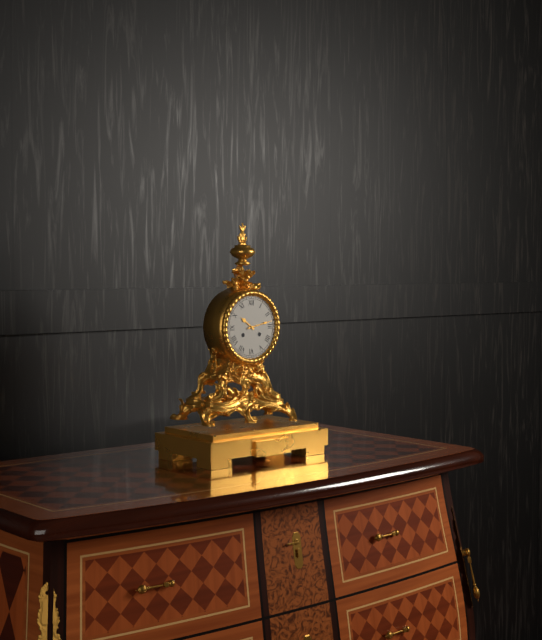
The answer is 10:13
